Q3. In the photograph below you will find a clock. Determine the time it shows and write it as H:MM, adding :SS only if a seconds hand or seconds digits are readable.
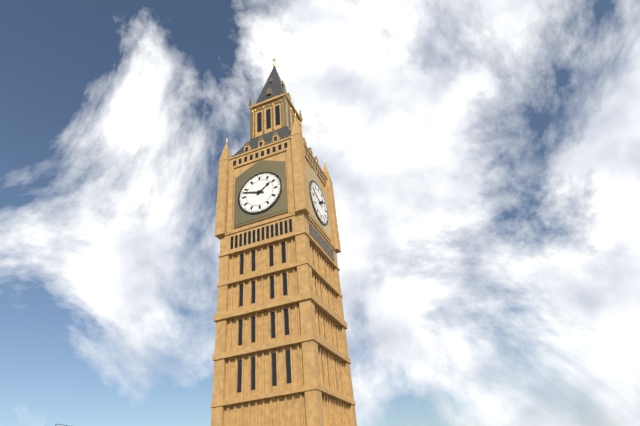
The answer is 1:48
